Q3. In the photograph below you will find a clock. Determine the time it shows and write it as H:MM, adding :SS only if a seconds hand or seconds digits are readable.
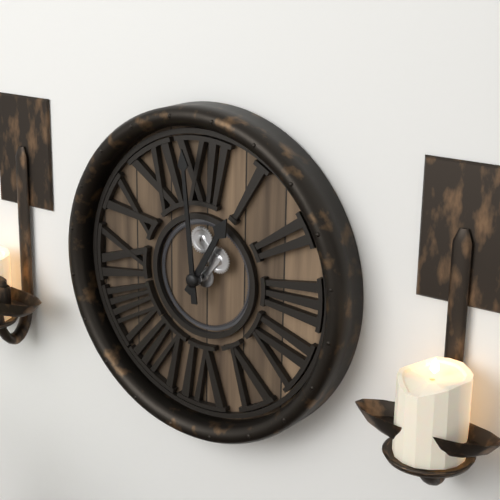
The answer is 12:59
